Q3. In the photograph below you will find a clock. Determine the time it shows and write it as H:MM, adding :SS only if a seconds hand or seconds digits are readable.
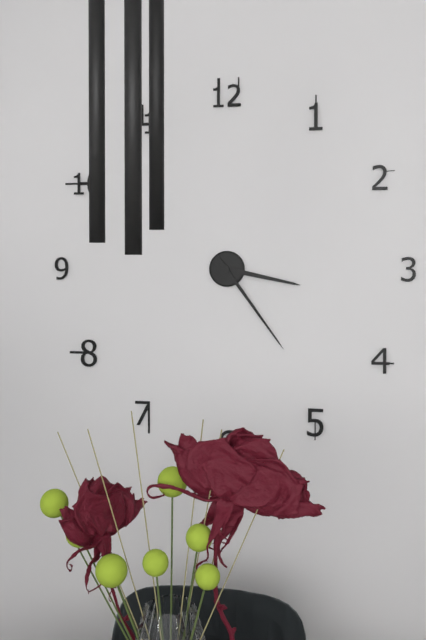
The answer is 3:24
